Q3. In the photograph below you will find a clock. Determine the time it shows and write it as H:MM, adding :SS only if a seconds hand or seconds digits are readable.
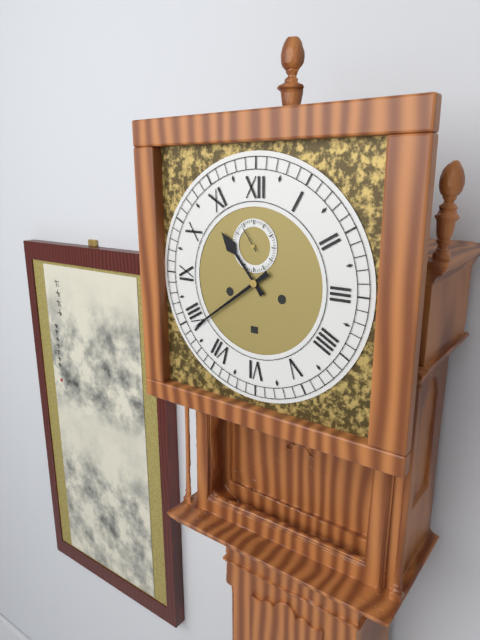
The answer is 10:39
